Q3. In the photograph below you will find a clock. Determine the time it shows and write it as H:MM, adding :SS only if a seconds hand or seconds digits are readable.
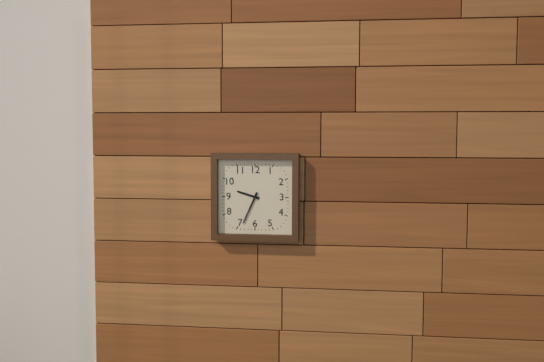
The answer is 9:34
